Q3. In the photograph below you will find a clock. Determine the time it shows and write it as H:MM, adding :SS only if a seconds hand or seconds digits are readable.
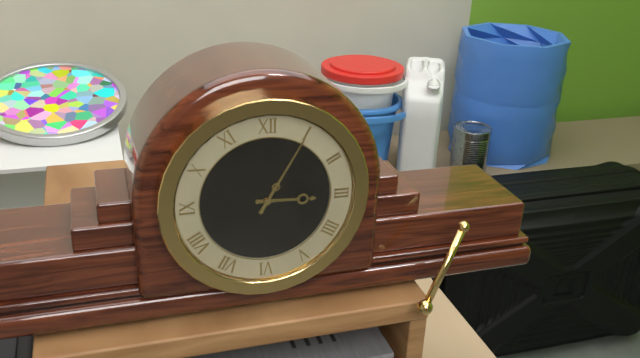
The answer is 3:05
